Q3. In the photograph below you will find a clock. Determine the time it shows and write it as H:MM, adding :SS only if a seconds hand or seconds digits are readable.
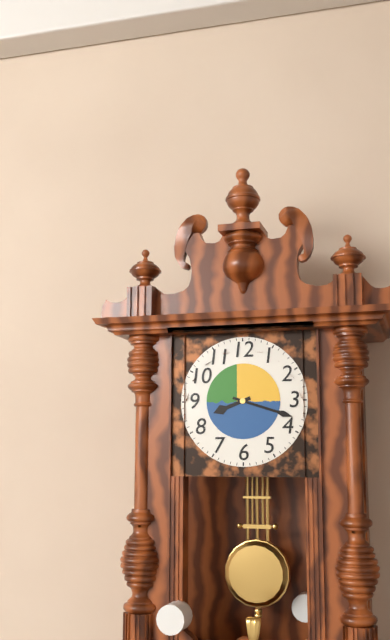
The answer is 8:18
